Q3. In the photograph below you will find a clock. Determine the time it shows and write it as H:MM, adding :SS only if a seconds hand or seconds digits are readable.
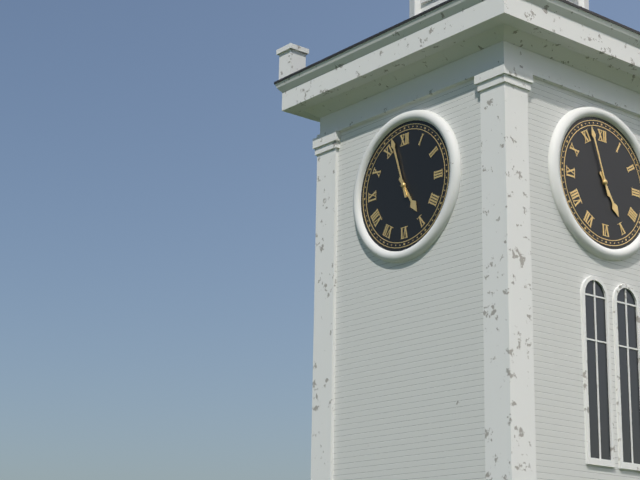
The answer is 4:57
